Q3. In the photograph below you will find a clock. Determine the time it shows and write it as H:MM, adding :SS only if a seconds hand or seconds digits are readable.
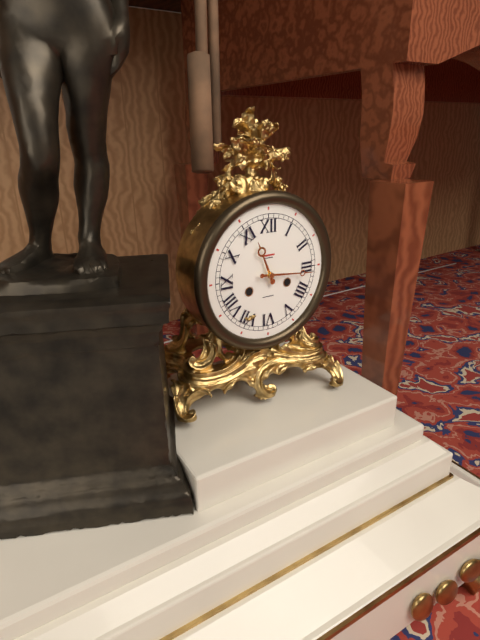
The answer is 11:16
